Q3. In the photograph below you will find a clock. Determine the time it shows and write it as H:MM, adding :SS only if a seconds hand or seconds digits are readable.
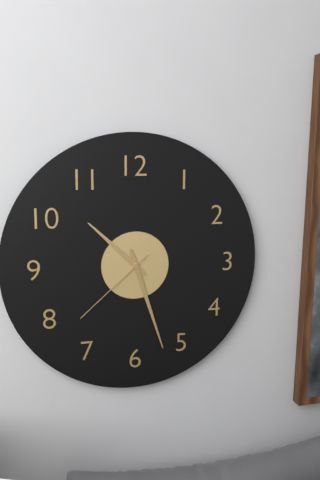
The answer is 10:27:38
